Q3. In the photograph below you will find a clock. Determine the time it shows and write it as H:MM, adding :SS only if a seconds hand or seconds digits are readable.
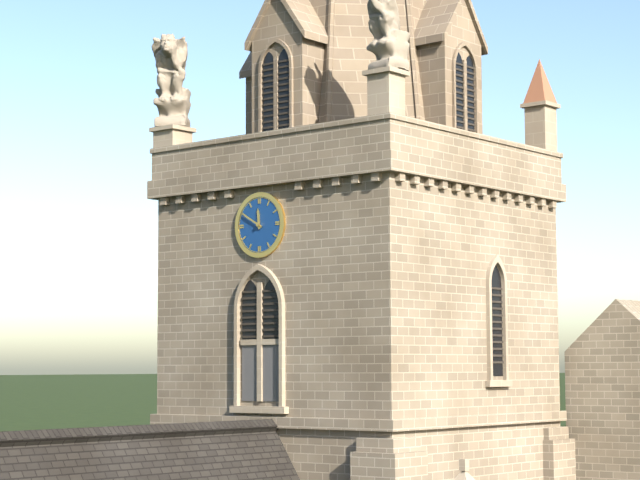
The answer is 11:50
